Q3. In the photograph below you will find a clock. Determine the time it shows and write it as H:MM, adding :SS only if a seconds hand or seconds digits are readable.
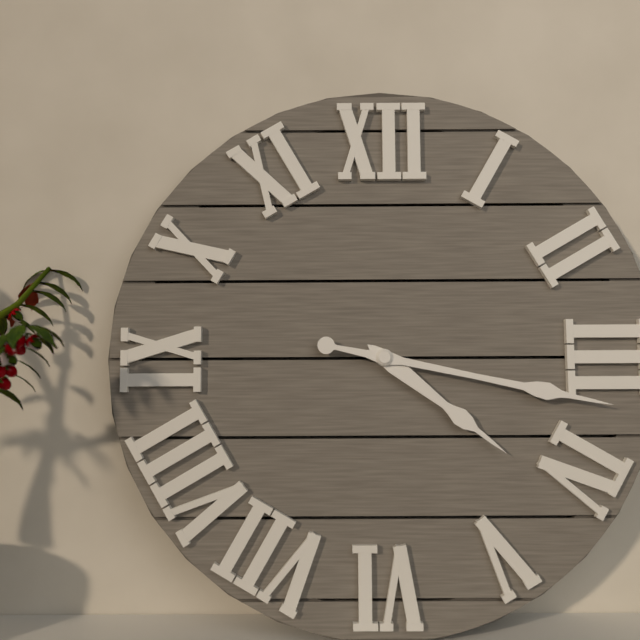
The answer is 4:17
